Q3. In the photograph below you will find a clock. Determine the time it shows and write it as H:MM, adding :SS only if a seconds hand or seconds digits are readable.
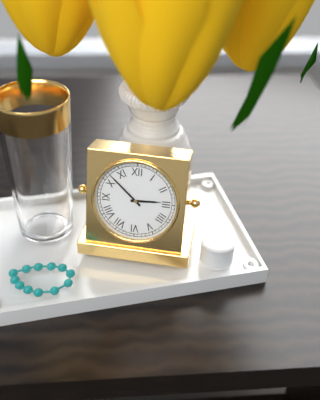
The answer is 2:52
